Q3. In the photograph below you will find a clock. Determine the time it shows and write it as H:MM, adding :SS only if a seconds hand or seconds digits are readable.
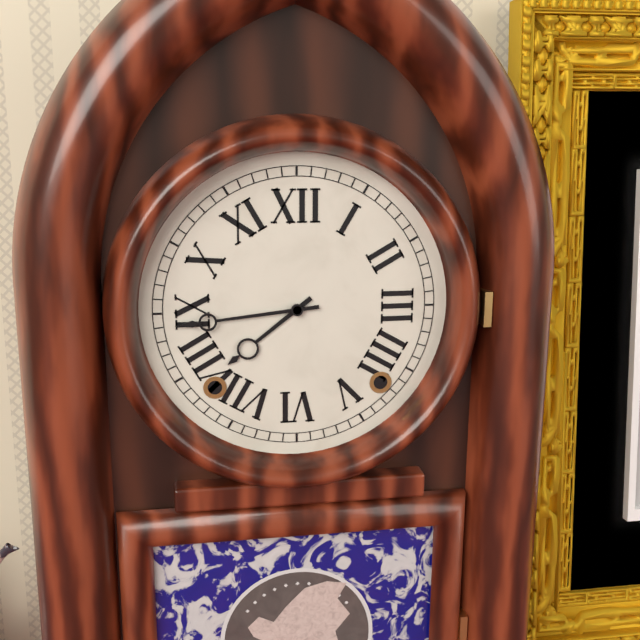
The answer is 7:44
